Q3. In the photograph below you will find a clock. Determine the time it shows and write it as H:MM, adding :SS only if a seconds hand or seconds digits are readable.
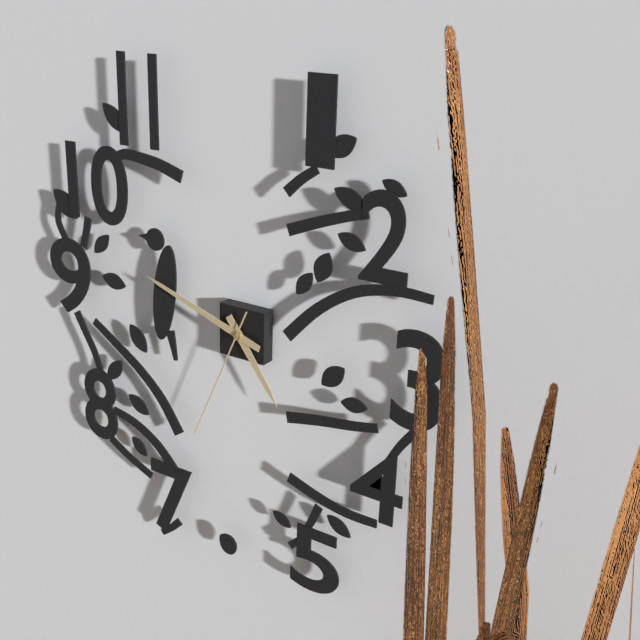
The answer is 4:48:34
